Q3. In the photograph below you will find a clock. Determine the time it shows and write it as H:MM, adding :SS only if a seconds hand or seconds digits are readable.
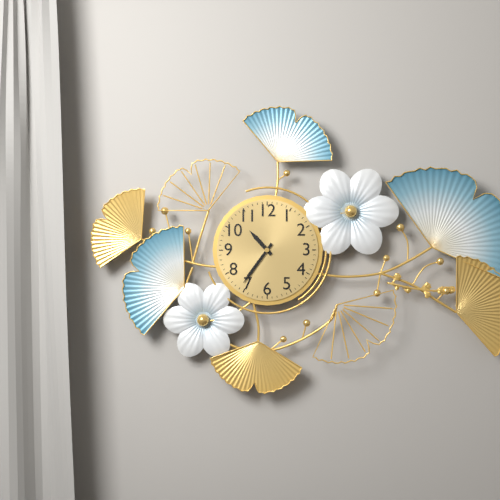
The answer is 10:36
